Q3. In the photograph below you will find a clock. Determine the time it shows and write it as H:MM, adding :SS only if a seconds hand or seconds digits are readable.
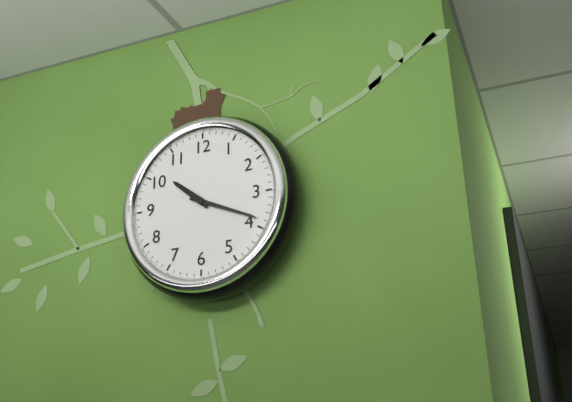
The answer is 10:19
